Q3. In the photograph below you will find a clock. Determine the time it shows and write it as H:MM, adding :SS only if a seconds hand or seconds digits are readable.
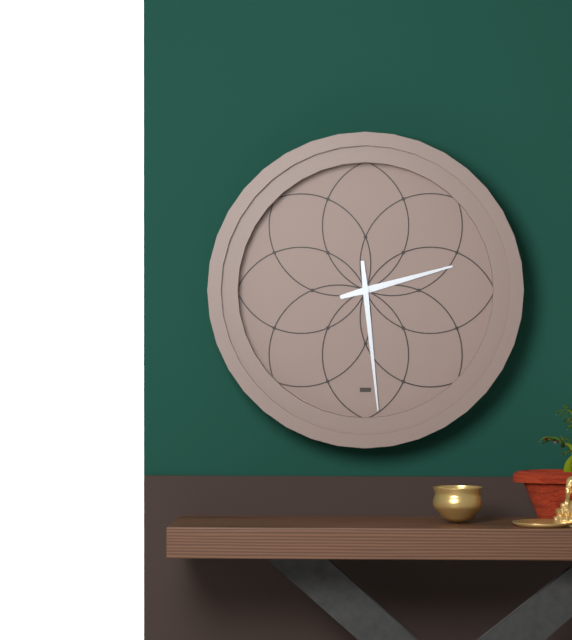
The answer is 2:29
